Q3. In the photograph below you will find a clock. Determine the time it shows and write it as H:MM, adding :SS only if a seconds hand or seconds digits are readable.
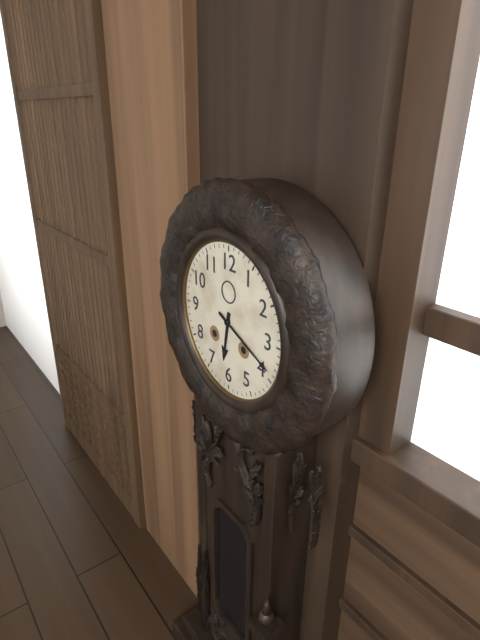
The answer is 6:19
